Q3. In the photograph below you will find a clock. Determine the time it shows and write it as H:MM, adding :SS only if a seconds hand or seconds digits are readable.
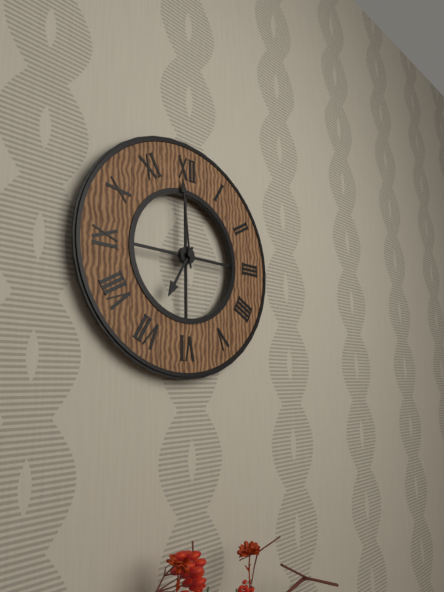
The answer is 6:59
